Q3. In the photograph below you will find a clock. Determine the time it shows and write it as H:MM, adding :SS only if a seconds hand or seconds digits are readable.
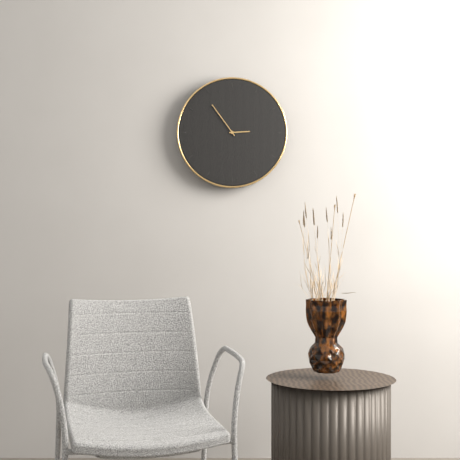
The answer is 2:54
